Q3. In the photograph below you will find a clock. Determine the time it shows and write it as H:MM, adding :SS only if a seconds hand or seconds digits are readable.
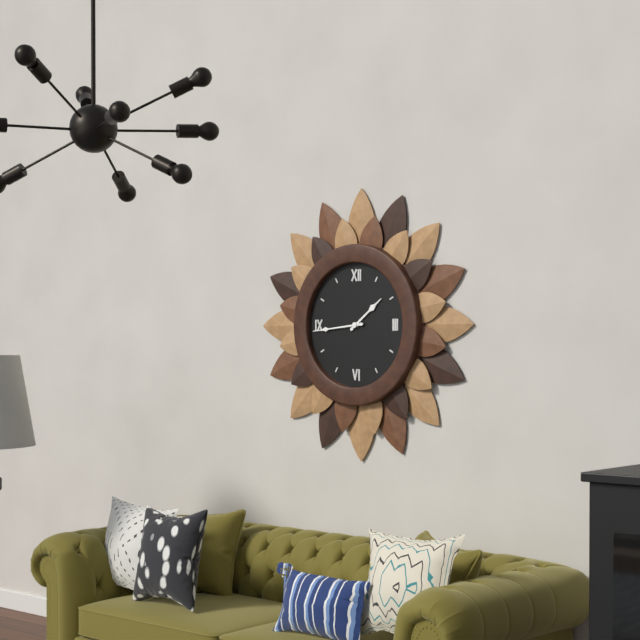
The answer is 1:44
